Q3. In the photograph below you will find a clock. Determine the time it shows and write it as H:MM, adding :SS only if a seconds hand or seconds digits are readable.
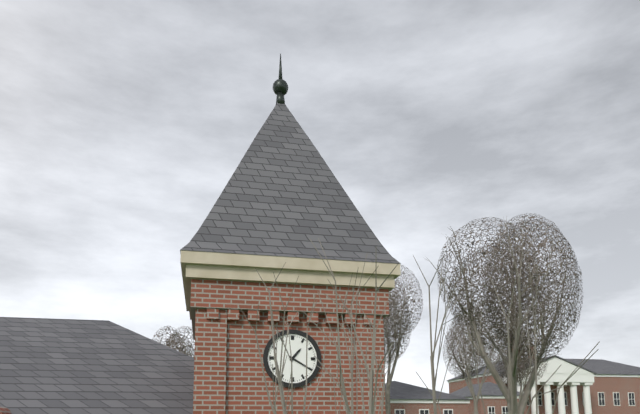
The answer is 1:20
